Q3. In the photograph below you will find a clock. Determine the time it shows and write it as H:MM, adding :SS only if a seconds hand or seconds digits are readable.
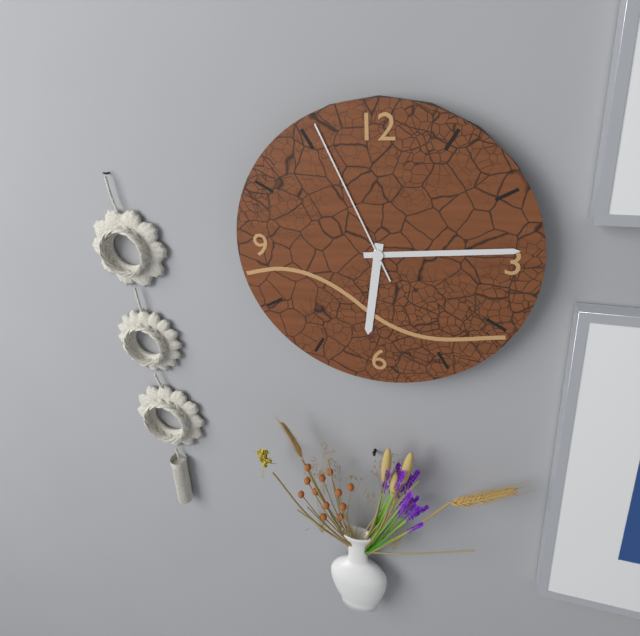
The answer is 6:14:56
